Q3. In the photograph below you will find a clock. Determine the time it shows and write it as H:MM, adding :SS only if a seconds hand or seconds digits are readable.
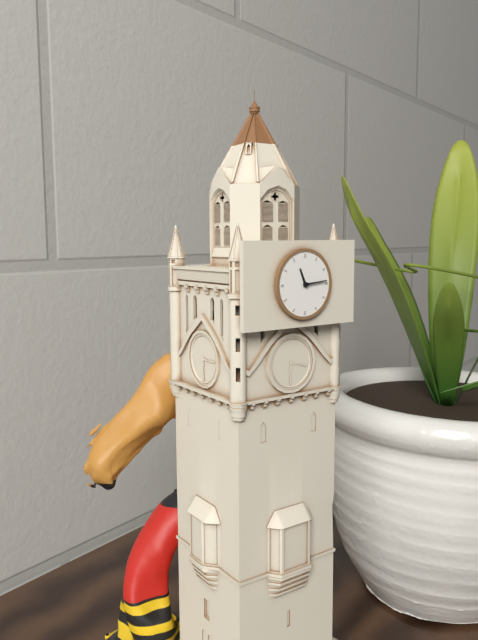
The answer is 11:14
